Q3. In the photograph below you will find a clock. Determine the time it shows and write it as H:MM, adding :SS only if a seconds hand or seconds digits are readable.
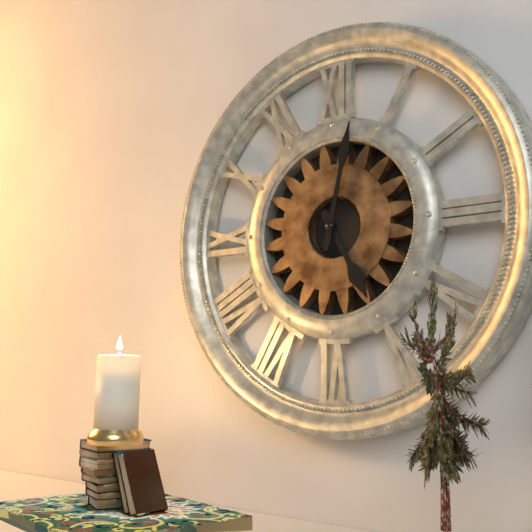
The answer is 5:02
